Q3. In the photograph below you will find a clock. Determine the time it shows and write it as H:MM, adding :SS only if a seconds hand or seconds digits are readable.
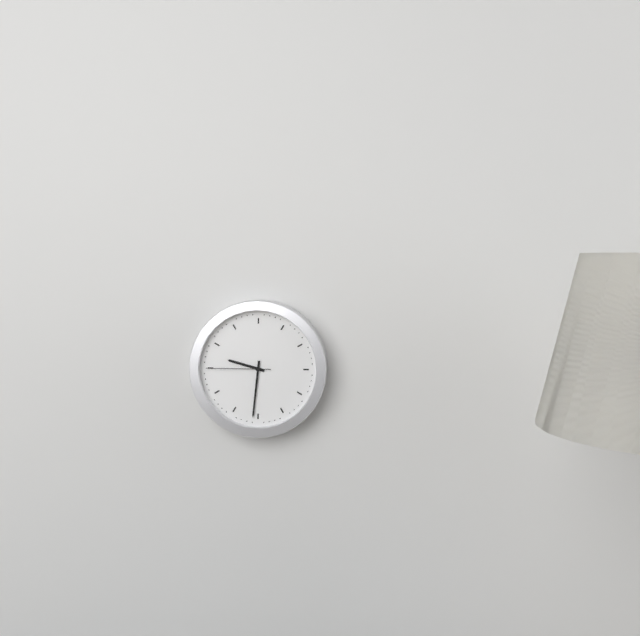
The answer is 9:31:45
